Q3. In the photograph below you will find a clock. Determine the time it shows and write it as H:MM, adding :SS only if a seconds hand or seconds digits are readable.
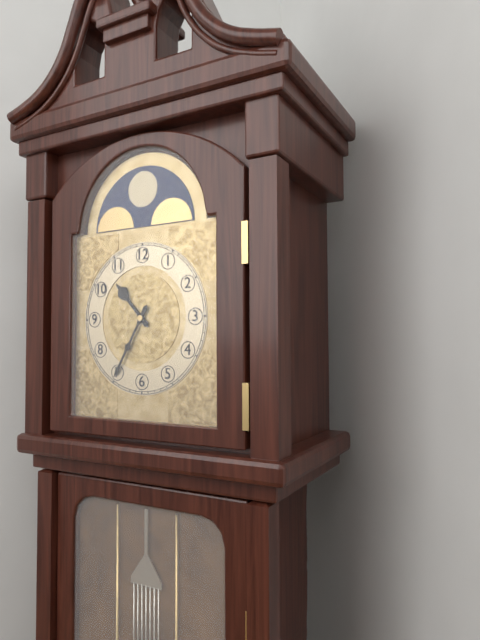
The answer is 10:35
